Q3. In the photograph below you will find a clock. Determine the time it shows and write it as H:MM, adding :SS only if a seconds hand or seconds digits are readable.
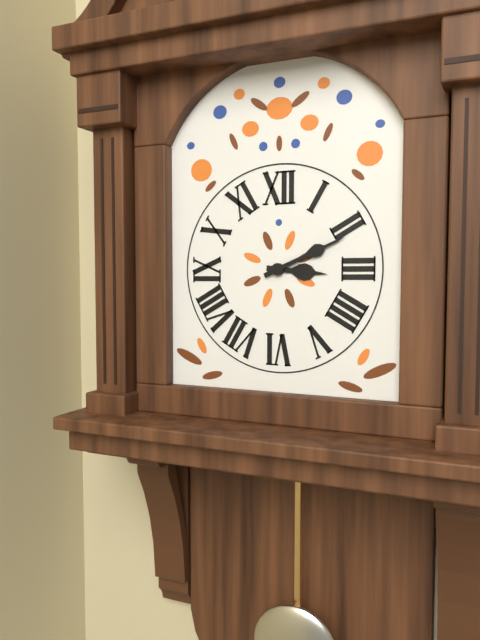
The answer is 3:11
